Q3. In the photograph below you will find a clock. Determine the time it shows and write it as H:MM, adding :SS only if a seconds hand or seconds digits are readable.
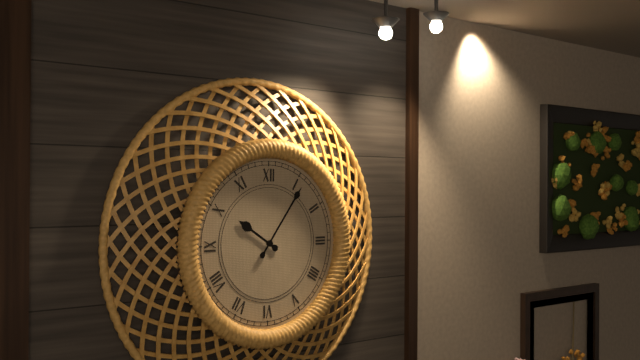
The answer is 10:06
